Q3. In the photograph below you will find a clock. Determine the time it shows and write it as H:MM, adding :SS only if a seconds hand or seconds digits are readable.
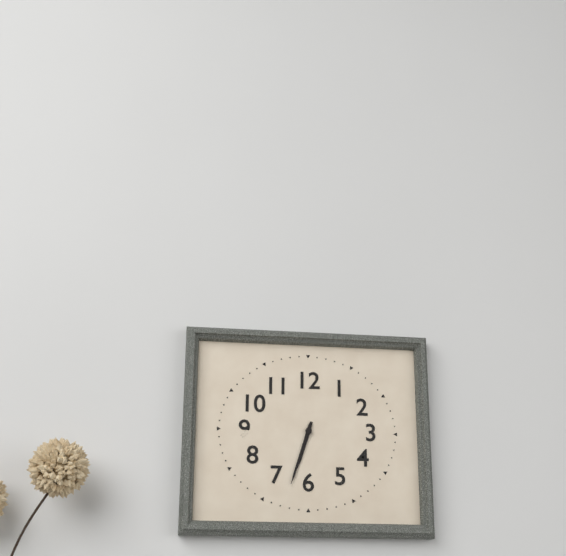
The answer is 6:33
